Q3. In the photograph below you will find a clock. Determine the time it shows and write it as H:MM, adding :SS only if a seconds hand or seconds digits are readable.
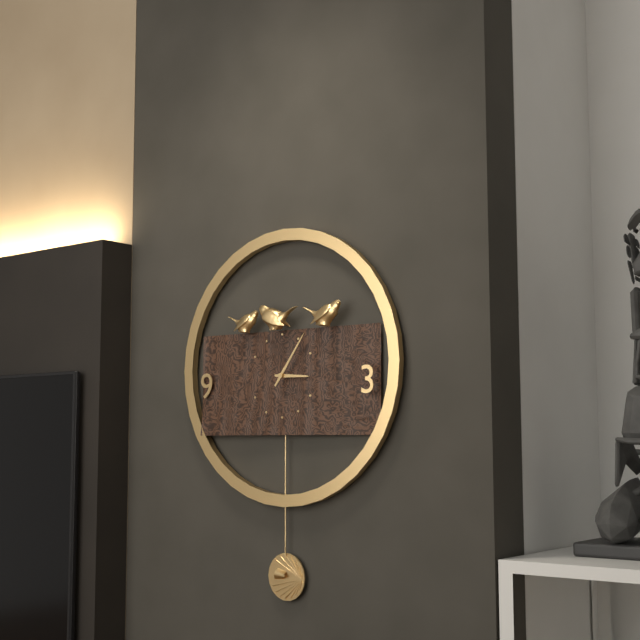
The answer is 3:06
